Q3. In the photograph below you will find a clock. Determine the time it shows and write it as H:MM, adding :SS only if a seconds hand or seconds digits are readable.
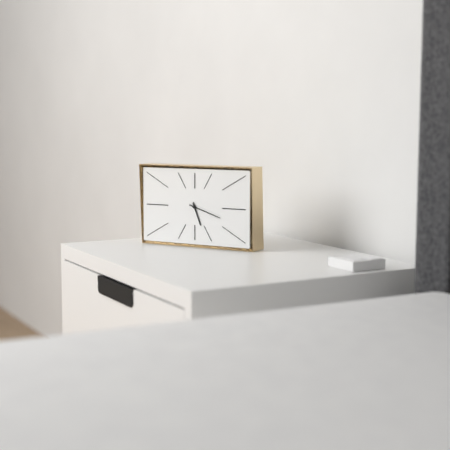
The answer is 5:18
